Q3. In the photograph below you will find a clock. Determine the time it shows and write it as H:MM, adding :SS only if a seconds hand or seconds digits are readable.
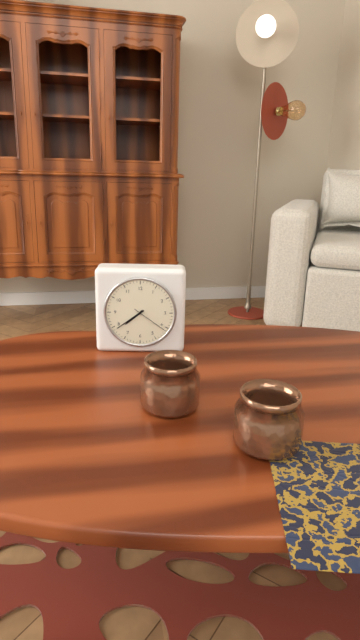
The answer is 7:39
